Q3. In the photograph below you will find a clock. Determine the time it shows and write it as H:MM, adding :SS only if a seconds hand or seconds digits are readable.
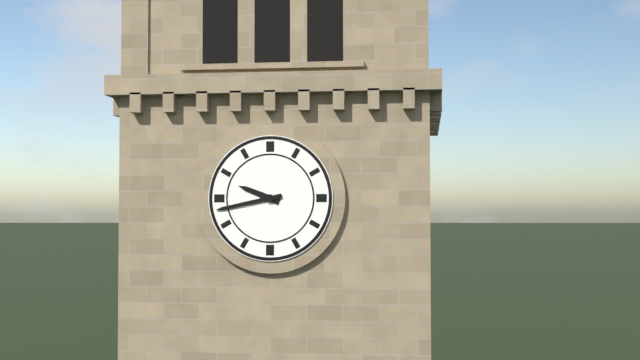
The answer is 9:43
